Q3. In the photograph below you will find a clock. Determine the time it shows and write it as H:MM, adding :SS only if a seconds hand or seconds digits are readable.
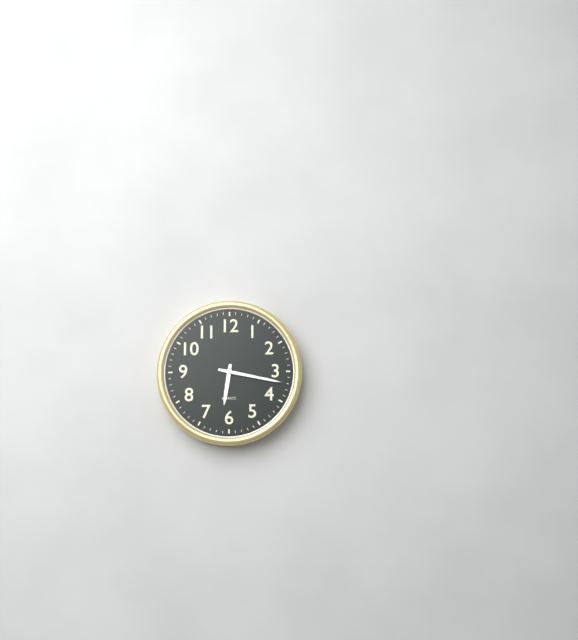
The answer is 6:17
